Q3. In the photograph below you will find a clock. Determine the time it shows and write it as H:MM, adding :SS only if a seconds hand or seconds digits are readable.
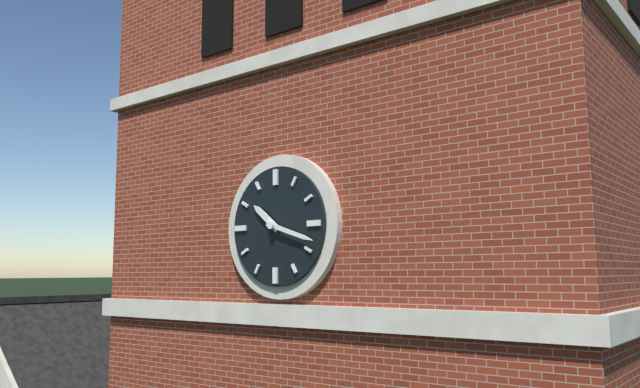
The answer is 10:18
